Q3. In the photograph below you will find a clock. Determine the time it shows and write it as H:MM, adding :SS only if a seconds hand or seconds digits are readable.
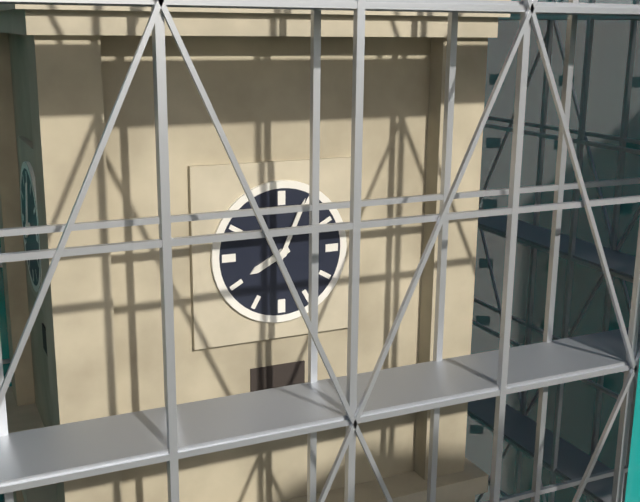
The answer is 8:04
